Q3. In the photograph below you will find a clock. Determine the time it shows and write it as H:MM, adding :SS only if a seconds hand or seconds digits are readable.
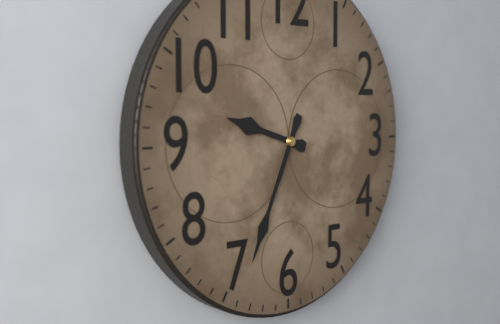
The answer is 9:34
